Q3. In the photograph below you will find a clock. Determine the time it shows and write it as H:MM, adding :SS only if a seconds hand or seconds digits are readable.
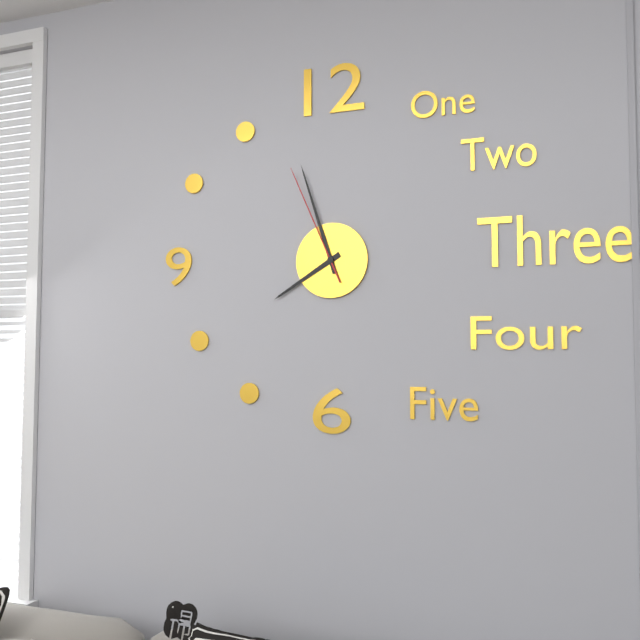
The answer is 7:57:56
